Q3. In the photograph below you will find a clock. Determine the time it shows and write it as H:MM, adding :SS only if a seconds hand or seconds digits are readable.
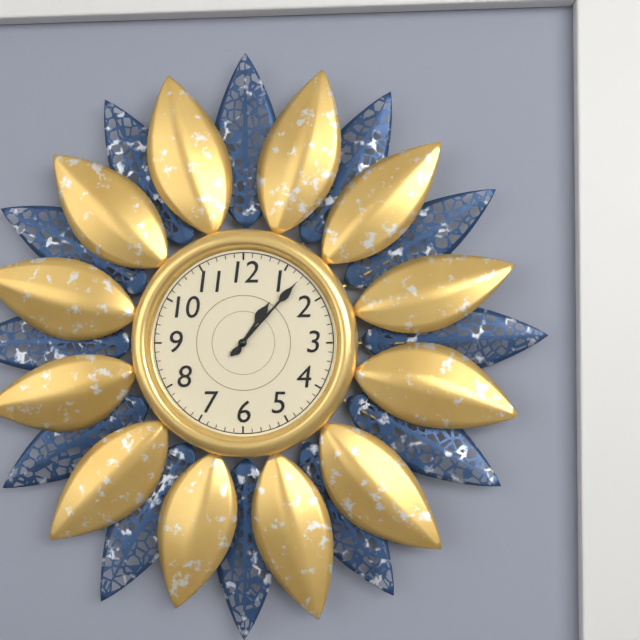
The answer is 1:07
